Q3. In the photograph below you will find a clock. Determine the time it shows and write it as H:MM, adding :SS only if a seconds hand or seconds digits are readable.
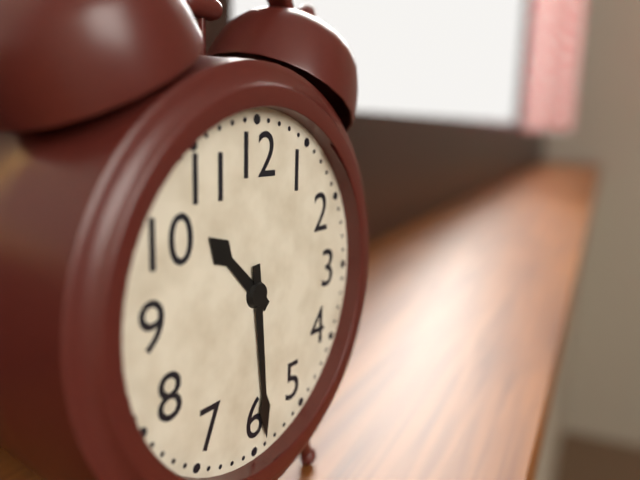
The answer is 10:29
